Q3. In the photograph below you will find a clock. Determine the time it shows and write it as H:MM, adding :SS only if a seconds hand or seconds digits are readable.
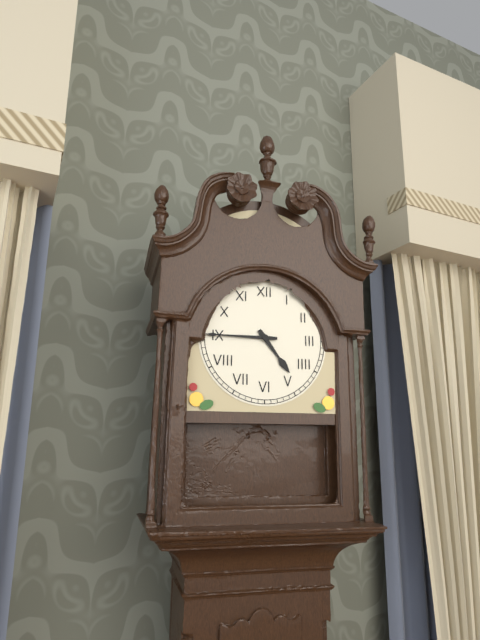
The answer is 4:45
